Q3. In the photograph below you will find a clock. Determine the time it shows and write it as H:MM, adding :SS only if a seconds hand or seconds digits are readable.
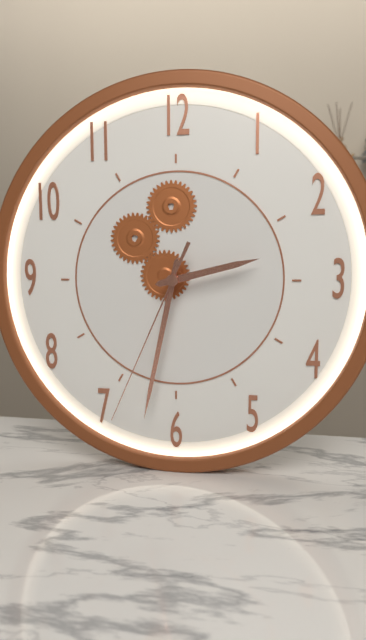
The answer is 2:32:34
